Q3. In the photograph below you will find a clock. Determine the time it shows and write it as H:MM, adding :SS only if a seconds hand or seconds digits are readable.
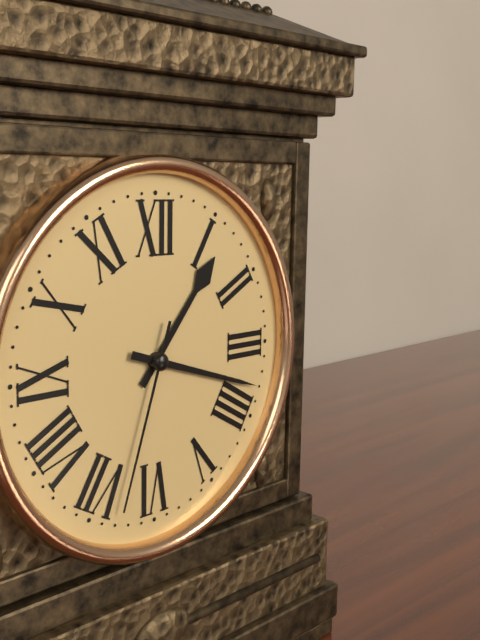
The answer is 1:18:33
